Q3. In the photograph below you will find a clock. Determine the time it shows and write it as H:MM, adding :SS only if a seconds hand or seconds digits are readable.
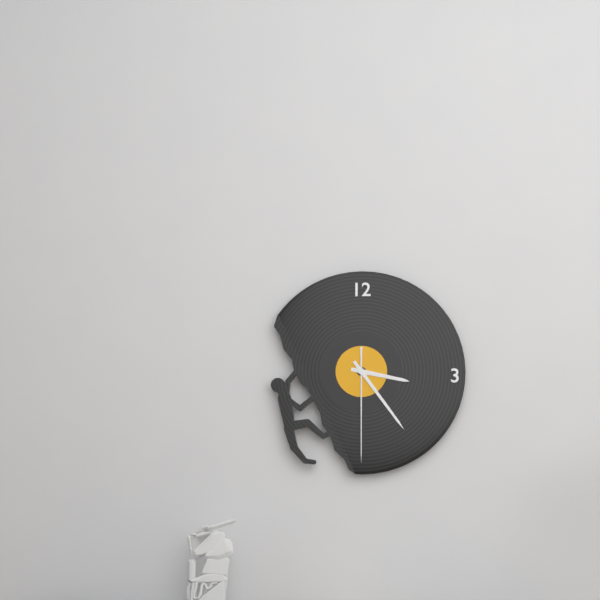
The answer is 3:24:30
